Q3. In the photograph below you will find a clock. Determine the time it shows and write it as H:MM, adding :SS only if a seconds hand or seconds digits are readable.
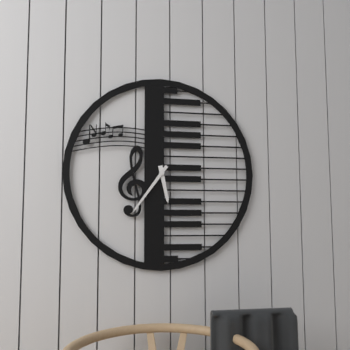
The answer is 5:36
